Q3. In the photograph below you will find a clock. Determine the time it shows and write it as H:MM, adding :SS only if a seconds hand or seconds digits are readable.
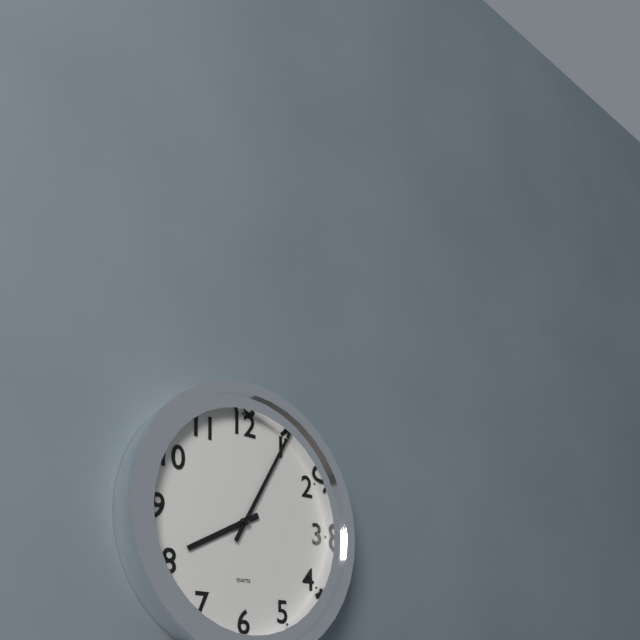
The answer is 8:05
